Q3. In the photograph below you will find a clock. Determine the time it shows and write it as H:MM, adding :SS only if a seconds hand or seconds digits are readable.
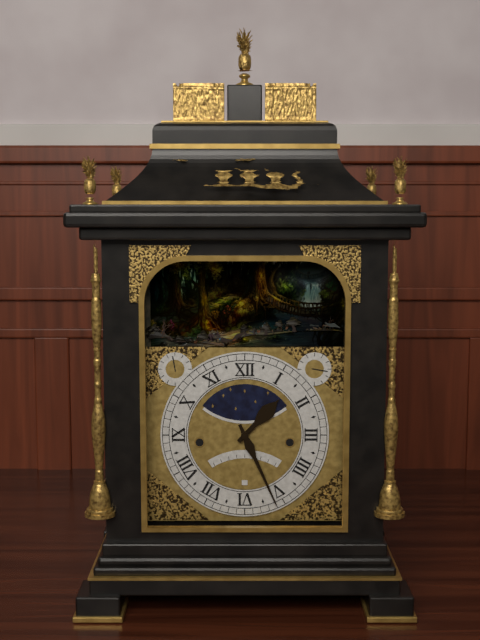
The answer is 1:26
